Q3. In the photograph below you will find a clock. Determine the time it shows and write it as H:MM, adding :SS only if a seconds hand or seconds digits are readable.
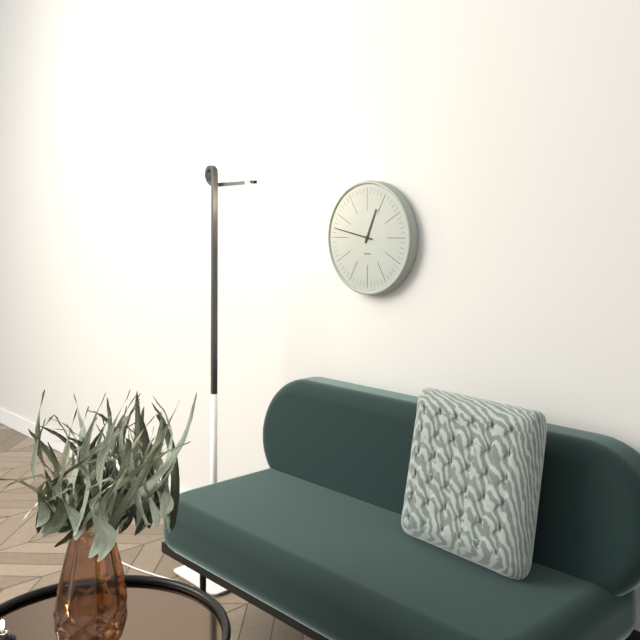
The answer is 12:47
